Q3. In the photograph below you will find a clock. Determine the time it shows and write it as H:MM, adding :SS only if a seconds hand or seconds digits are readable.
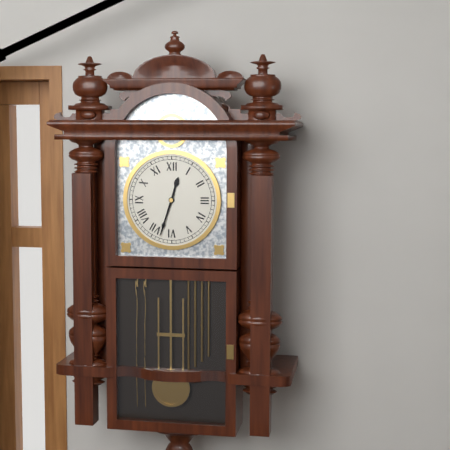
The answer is 12:33
